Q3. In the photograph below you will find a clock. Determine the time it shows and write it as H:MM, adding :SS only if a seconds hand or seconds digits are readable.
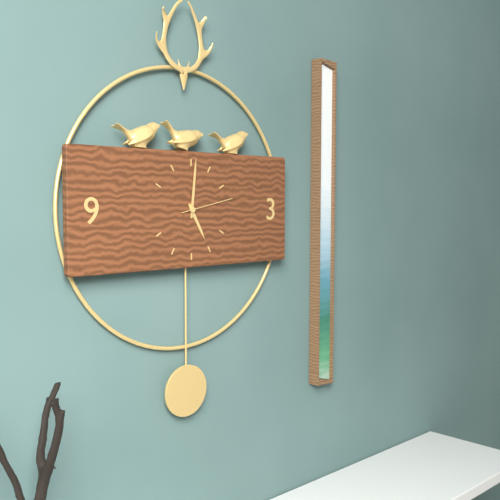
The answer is 5:01:13
